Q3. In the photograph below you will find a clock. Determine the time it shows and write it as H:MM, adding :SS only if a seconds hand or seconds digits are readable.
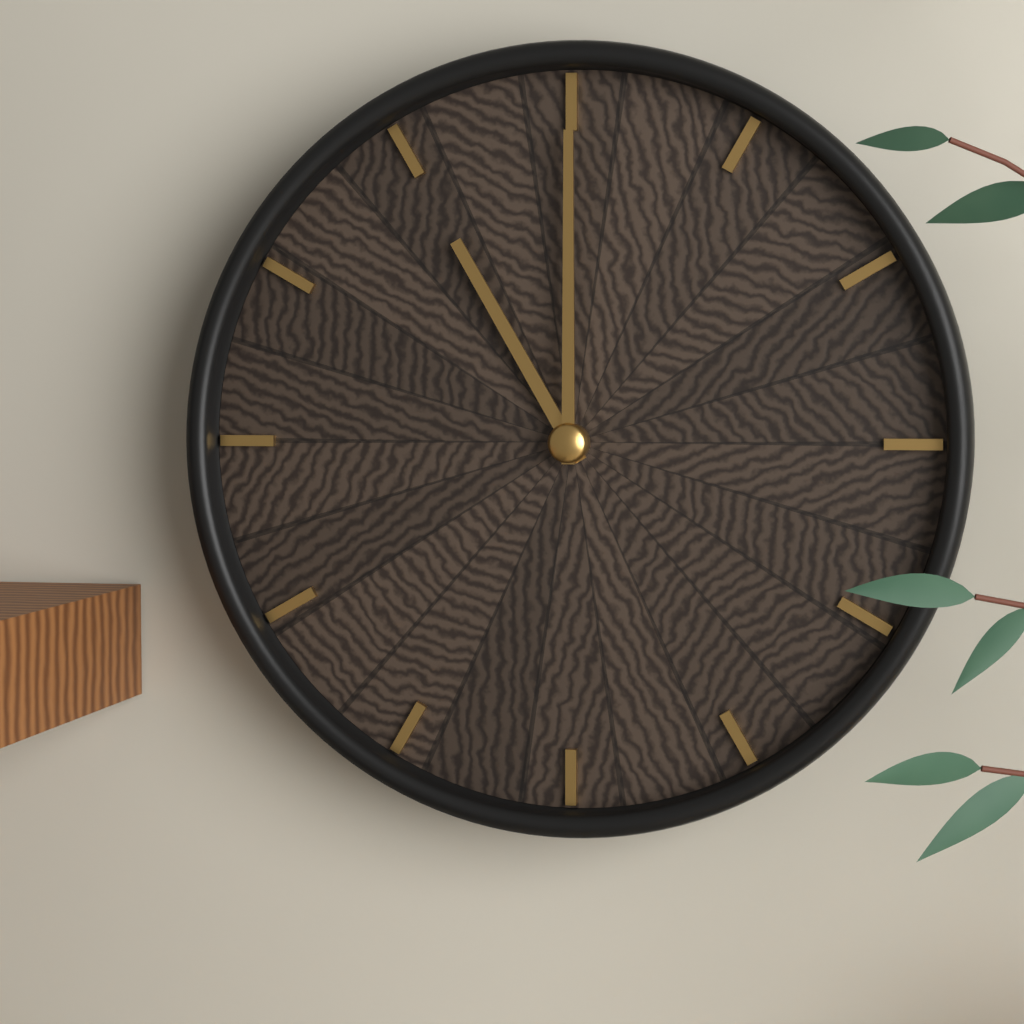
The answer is 11:00
